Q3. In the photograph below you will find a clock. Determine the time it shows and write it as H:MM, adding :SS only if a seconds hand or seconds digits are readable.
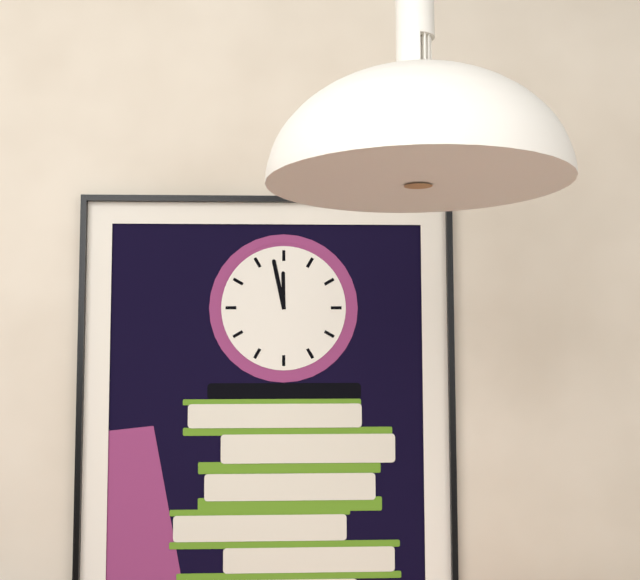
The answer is 11:58
